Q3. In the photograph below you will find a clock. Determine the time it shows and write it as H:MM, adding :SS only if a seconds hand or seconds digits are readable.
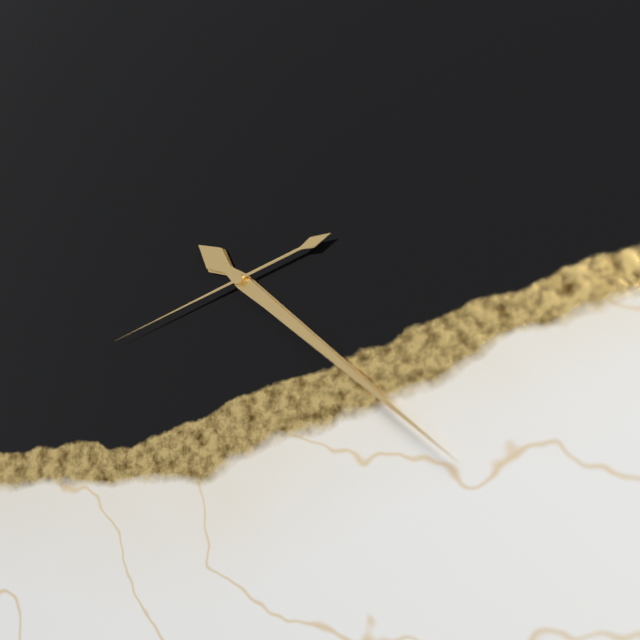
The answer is 4:22:42
